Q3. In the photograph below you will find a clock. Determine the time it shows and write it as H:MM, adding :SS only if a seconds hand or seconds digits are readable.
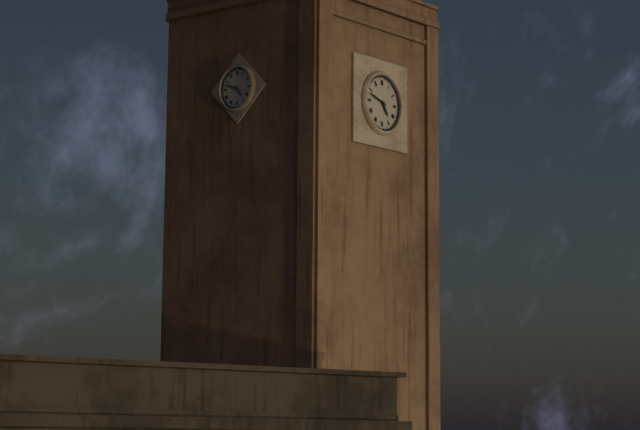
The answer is 4:48
